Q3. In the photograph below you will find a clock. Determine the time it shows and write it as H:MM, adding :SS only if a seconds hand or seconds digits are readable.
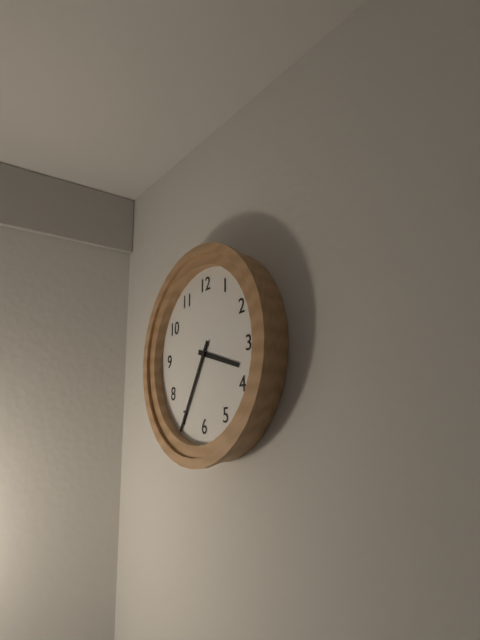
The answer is 3:35
